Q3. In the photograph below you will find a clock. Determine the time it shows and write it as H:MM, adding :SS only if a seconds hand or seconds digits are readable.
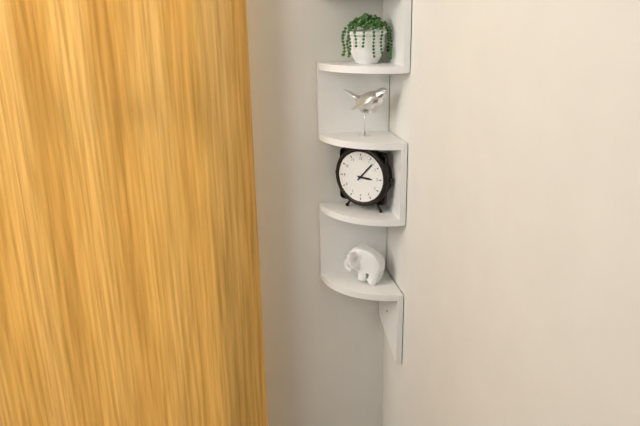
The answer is 3:07
